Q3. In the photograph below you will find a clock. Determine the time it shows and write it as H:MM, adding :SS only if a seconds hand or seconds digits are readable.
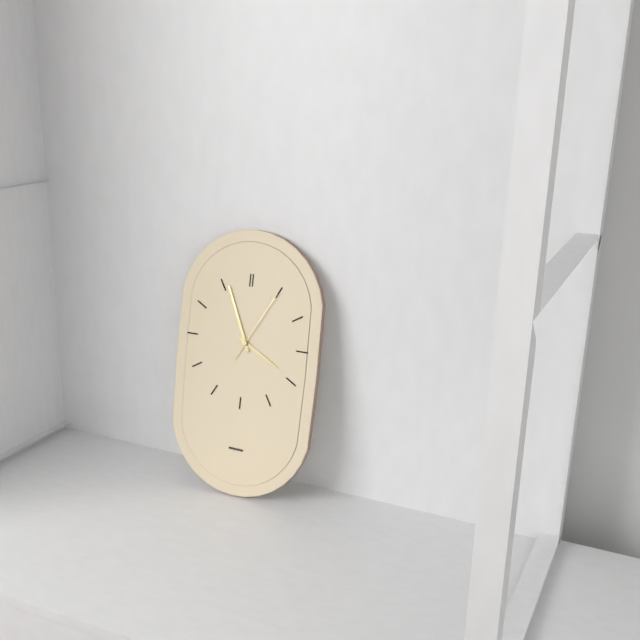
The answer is 3:56:05
